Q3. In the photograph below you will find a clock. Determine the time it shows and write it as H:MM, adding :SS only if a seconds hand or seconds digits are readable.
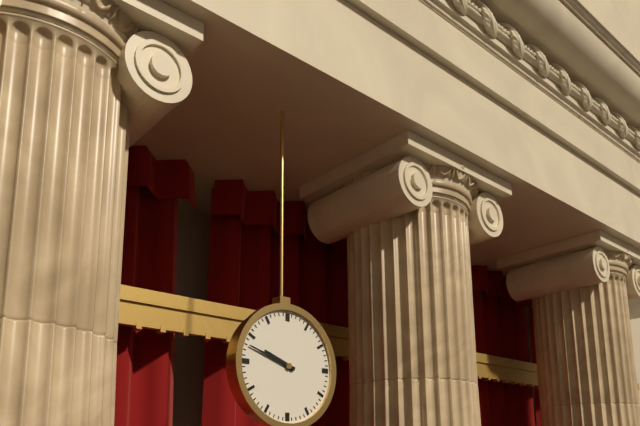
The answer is 9:48
